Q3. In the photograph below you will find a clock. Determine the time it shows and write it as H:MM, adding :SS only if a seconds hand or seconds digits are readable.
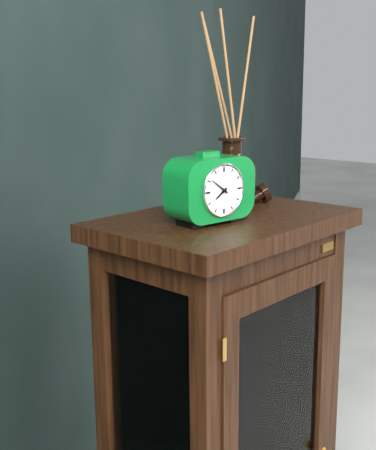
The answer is 7:51
